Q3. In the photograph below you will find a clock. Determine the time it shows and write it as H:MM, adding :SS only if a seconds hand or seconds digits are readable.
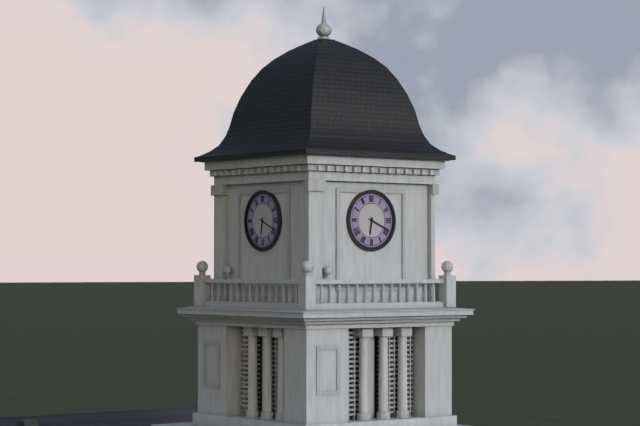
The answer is 6:19
